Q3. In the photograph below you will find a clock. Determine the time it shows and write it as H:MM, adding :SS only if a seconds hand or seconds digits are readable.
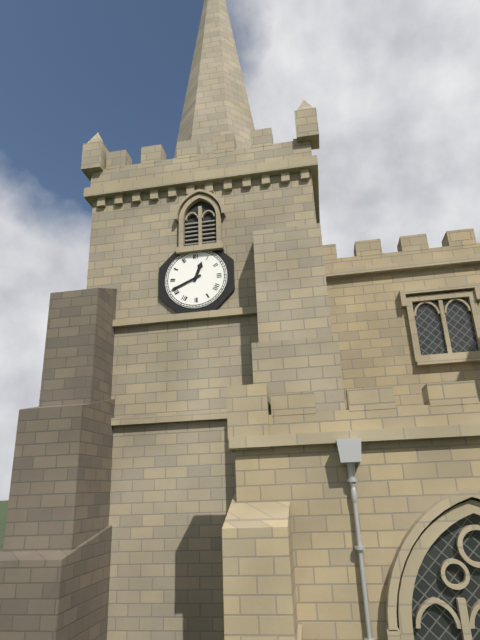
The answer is 12:41
